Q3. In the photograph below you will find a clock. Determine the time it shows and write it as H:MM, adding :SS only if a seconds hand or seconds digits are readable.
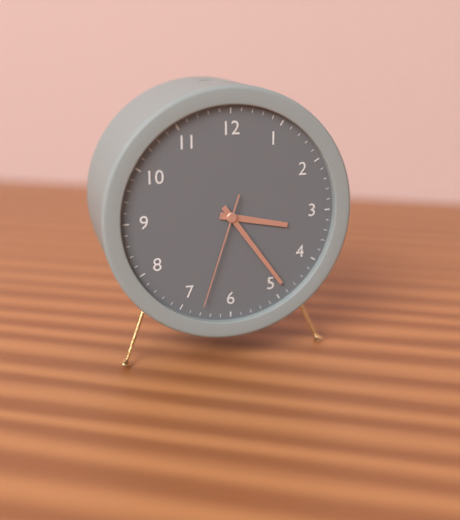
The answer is 3:24:33
